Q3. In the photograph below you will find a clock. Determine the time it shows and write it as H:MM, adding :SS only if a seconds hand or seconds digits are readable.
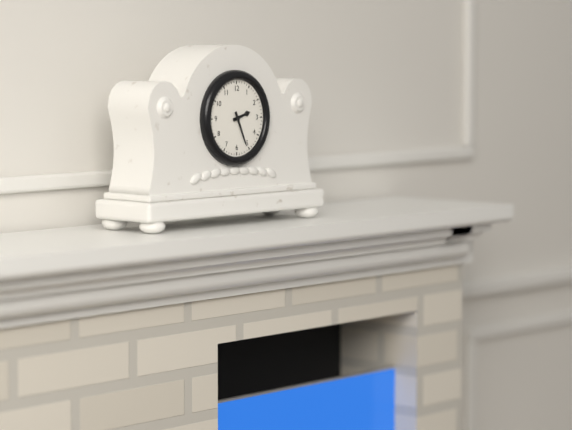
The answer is 2:26
